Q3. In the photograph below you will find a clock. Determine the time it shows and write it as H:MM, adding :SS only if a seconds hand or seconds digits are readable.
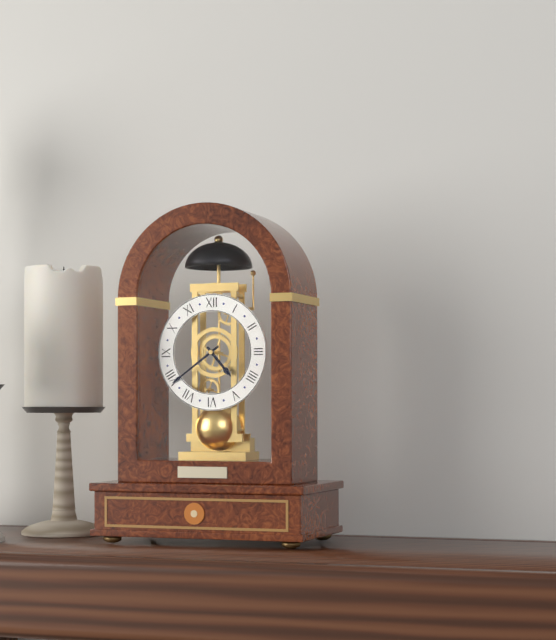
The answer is 4:39
